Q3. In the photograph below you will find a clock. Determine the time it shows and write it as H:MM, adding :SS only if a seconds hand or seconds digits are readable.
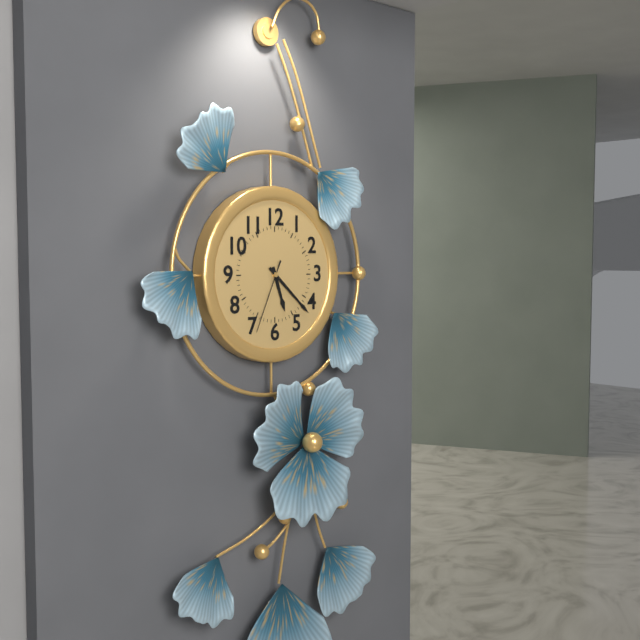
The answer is 5:22:34
